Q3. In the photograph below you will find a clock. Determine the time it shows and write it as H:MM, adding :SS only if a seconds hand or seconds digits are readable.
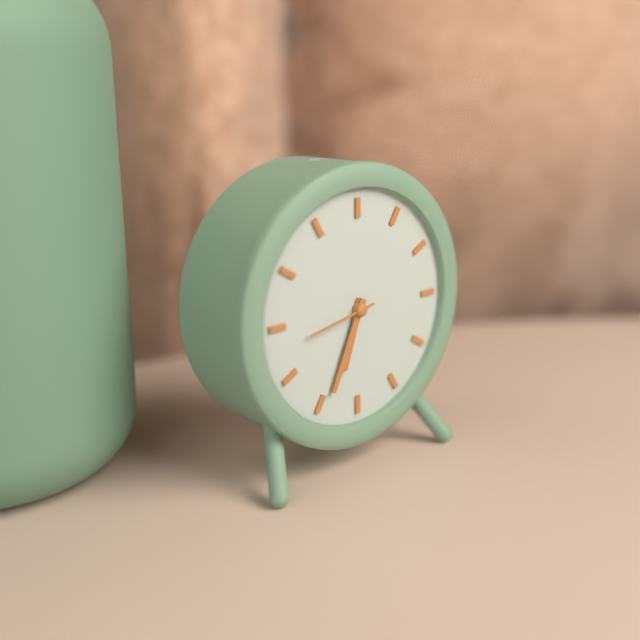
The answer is 6:34:43
